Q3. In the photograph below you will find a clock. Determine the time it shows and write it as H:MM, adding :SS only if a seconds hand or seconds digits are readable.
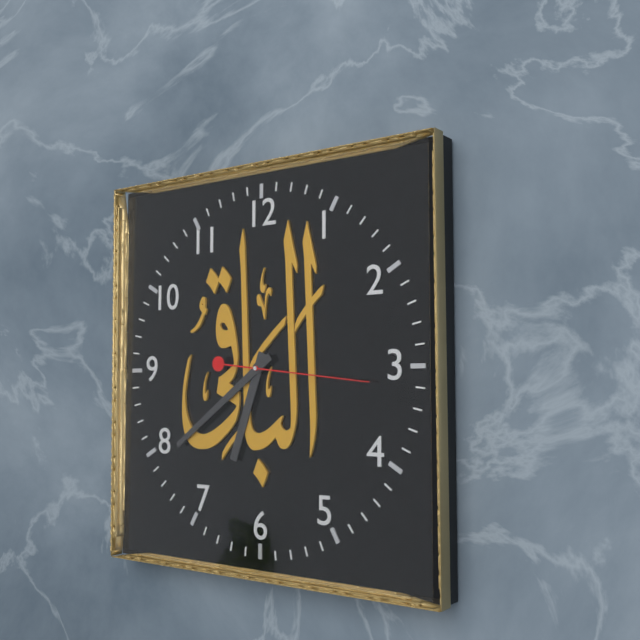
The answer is 6:39:16
